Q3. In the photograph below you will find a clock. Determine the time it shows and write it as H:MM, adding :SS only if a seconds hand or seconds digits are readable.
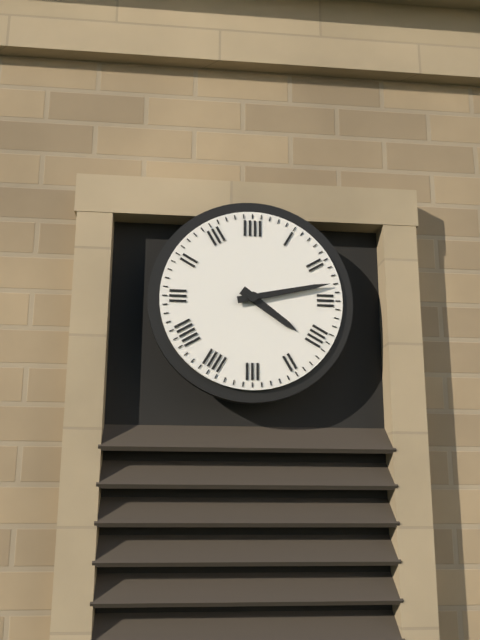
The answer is 4:13
